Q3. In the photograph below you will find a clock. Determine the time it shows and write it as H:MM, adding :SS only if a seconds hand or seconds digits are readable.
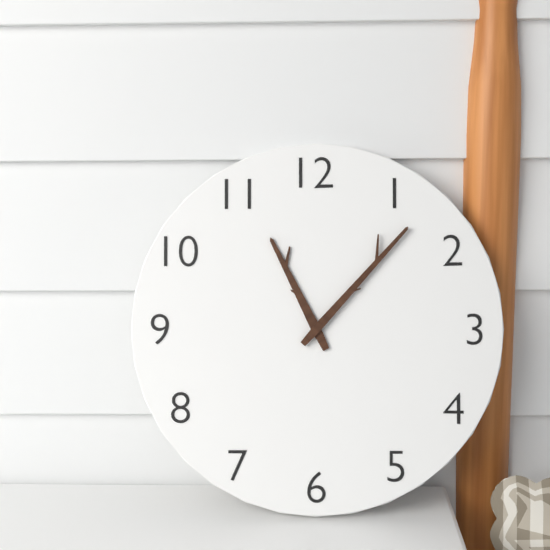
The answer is 11:07
